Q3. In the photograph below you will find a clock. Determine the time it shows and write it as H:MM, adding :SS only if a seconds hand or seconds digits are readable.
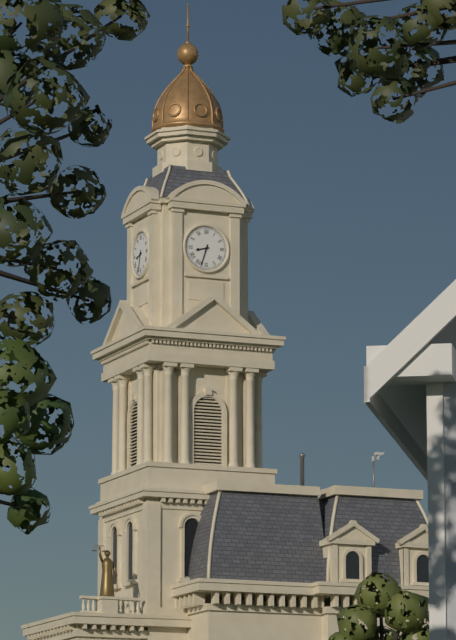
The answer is 8:33
